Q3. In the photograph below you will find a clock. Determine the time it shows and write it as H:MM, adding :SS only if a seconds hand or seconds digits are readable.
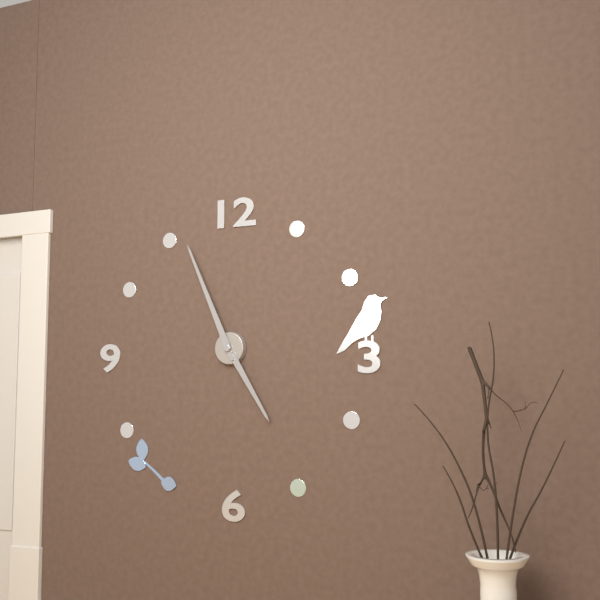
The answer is 4:56
